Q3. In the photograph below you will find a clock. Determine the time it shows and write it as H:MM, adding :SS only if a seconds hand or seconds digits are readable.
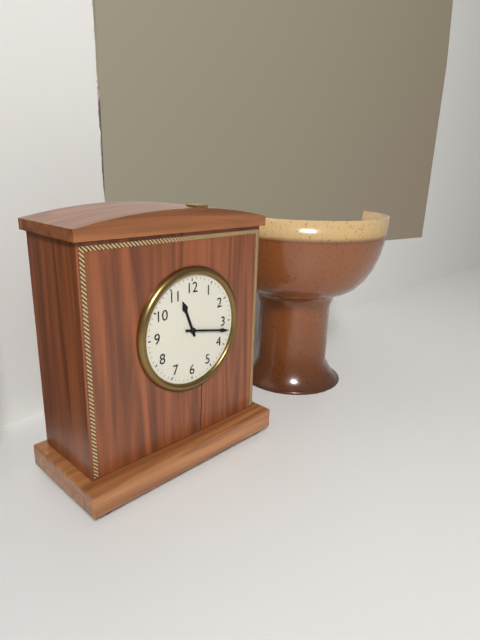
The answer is 11:17
